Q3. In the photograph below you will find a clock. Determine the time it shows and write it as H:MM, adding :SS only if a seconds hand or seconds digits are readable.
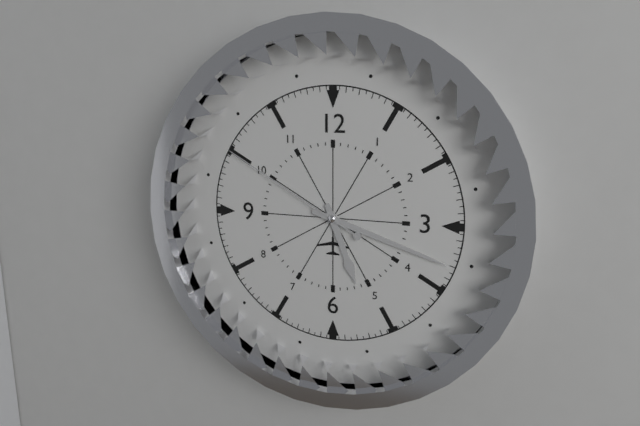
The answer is 5:18:50
